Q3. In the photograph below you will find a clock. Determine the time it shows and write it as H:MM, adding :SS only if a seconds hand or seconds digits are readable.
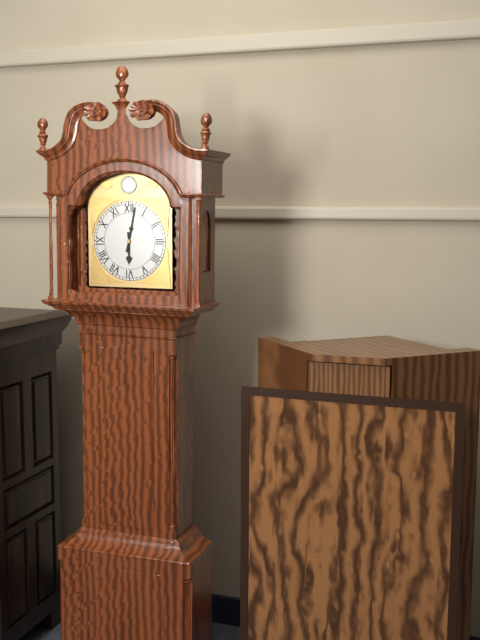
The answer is 6:02
